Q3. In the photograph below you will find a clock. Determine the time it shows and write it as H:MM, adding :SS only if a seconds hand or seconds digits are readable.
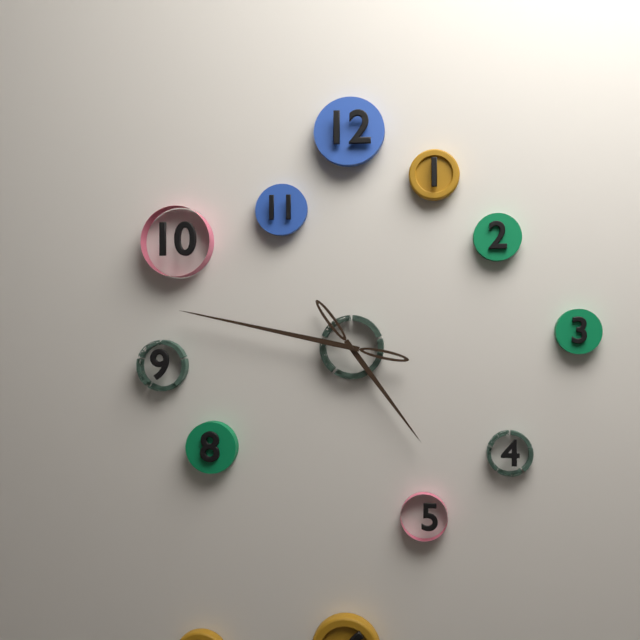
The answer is 4:47
